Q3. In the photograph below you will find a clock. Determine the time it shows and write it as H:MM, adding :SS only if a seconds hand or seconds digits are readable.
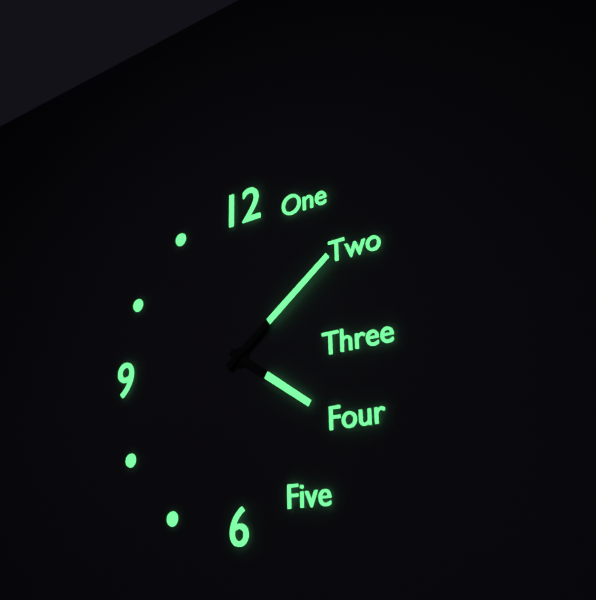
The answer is 4:09
